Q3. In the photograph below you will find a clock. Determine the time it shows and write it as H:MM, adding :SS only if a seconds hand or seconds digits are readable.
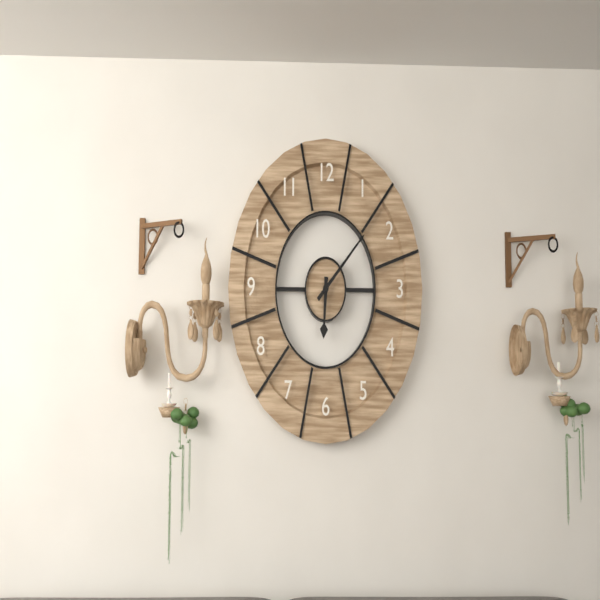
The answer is 6:08
